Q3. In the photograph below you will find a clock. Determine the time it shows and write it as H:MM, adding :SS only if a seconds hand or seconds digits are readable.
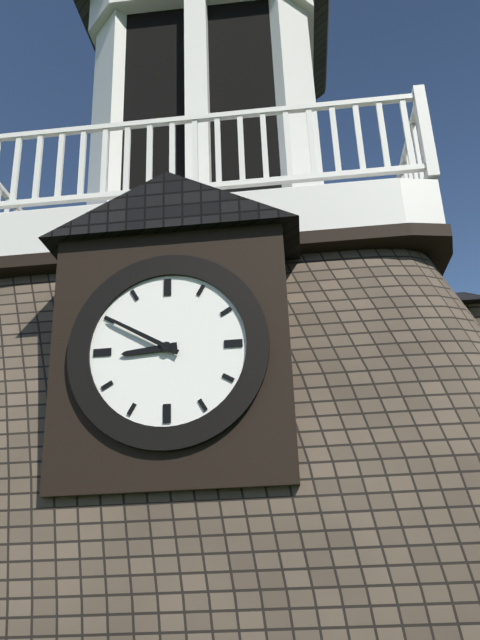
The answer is 8:50
